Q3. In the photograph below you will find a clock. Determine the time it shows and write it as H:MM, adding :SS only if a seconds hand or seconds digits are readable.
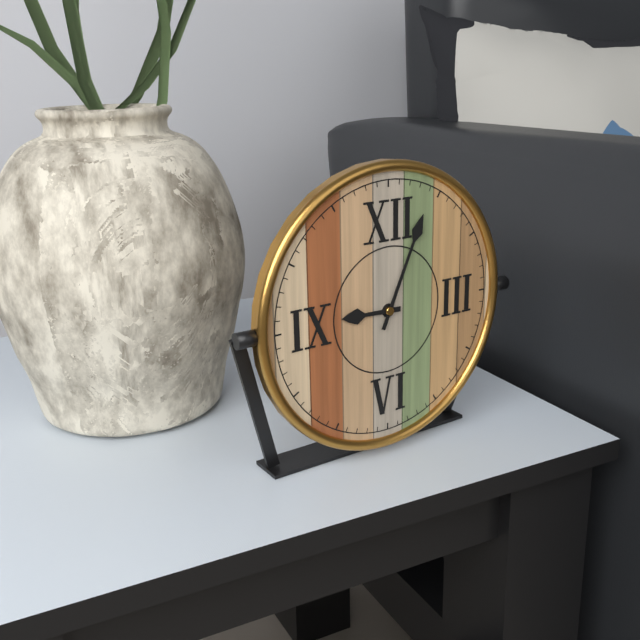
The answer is 9:04
